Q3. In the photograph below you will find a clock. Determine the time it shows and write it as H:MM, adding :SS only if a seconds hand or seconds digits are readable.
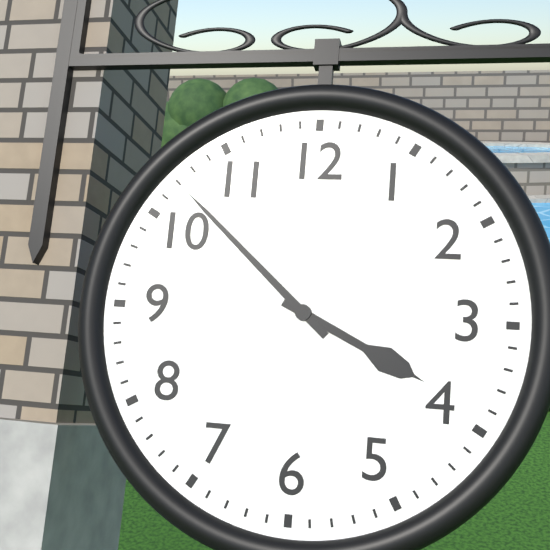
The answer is 3:52
